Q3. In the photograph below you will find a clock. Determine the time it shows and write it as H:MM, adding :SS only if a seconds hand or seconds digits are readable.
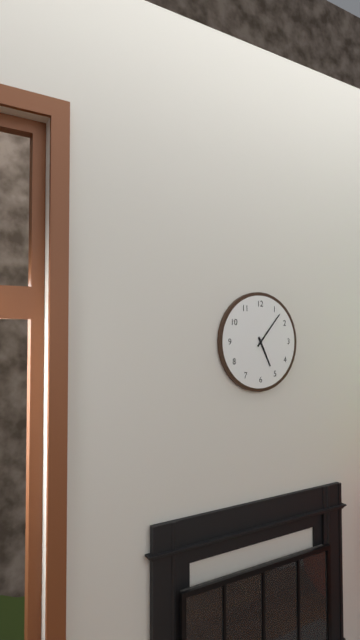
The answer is 5:07
